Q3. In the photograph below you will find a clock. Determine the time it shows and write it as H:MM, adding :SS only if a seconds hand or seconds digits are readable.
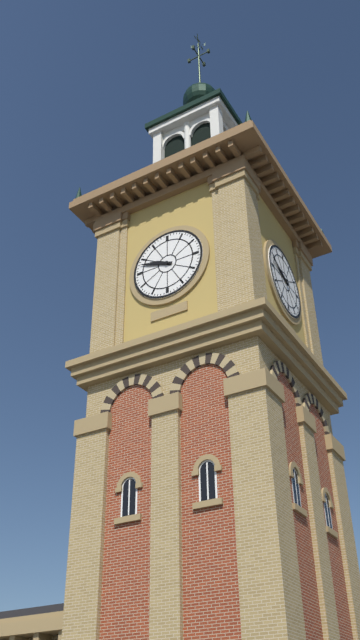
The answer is 9:48
